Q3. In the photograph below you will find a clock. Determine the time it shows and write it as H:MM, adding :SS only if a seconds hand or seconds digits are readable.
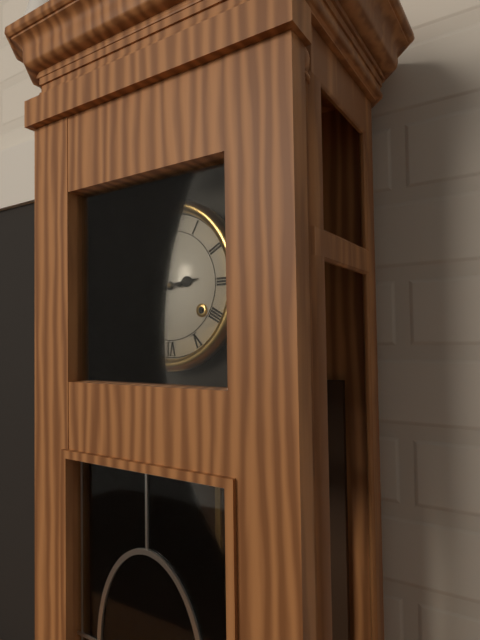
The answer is 2:45
